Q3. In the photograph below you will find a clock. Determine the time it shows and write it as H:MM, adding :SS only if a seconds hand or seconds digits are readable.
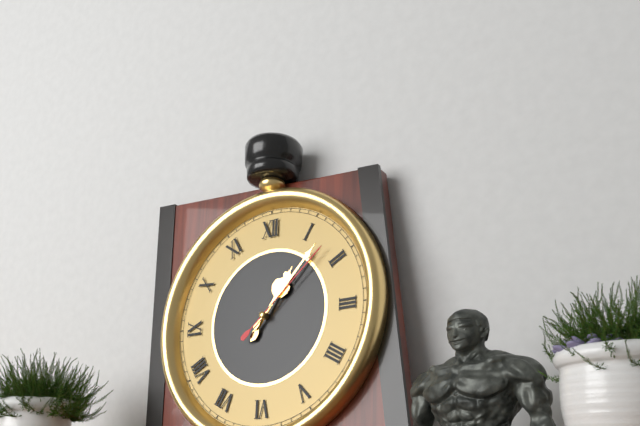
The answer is 1:07:08
